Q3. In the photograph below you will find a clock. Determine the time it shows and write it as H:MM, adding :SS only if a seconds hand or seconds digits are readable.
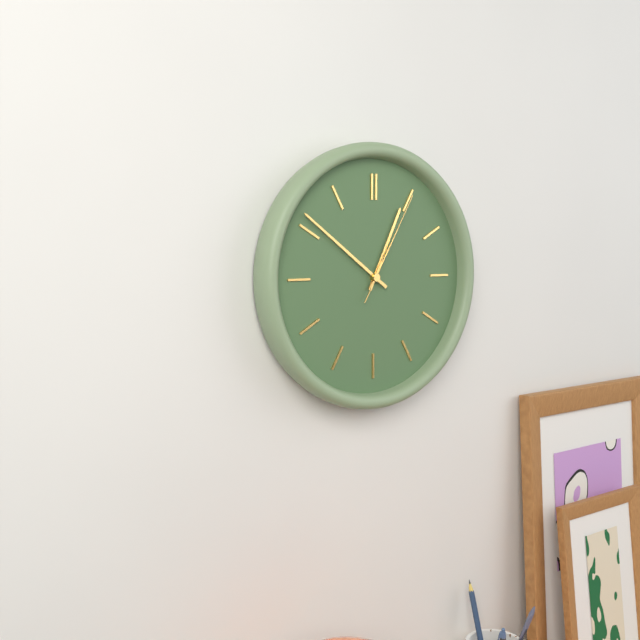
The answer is 12:51:05
